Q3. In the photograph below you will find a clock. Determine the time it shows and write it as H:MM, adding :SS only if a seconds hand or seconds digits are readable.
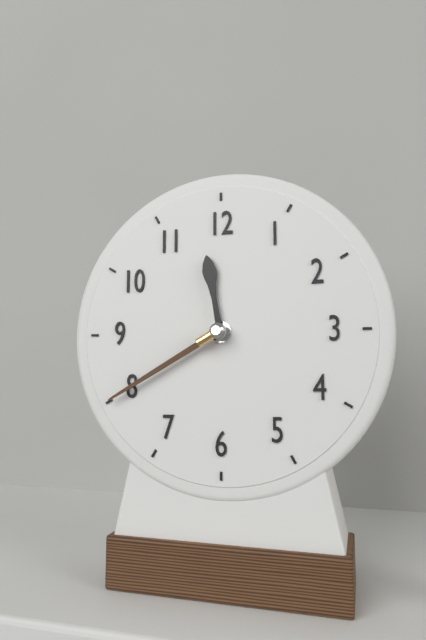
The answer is 11:40
